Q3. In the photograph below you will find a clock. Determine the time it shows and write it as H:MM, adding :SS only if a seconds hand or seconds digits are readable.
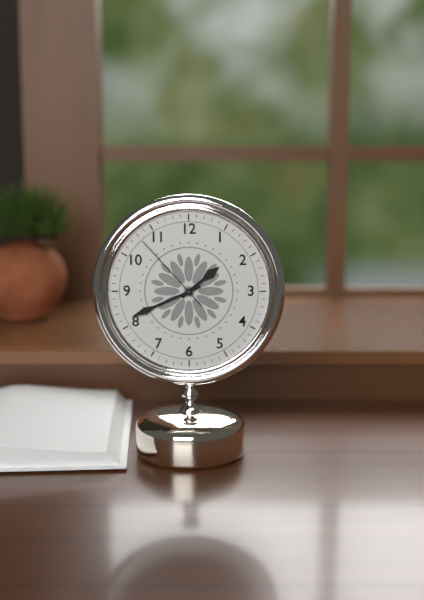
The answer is 1:41:53
